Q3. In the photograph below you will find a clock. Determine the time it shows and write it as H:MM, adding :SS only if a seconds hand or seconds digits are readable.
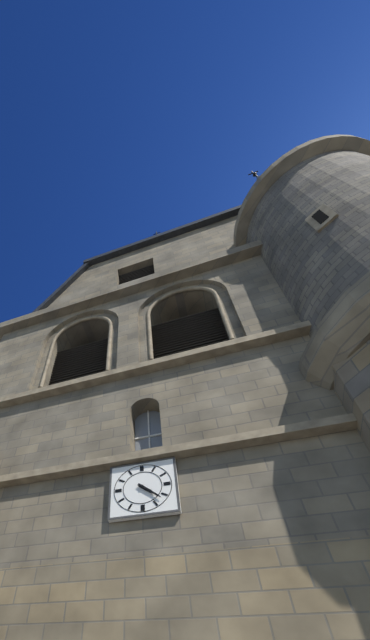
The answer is 4:22
